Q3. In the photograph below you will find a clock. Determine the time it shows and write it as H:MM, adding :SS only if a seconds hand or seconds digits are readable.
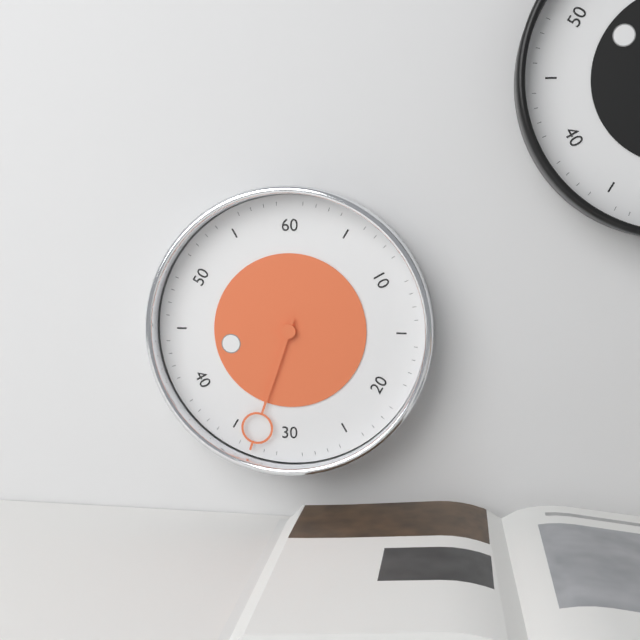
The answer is 8:33
